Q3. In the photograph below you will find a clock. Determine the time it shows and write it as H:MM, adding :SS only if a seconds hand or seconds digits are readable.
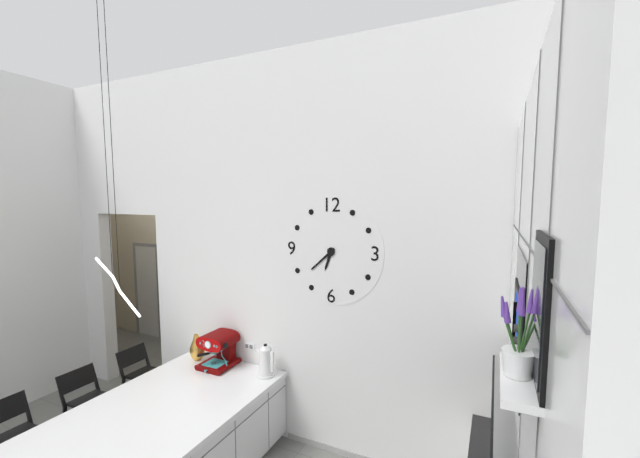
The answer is 6:38
